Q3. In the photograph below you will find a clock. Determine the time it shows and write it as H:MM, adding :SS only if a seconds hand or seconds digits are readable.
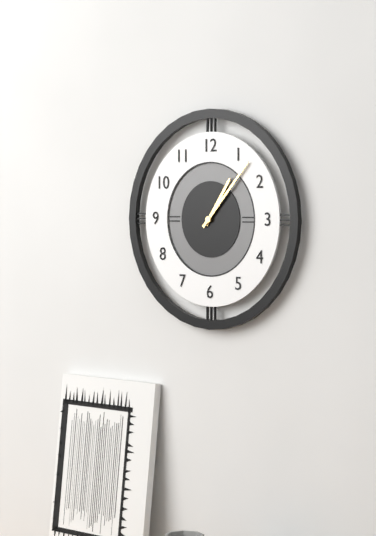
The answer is 1:07
